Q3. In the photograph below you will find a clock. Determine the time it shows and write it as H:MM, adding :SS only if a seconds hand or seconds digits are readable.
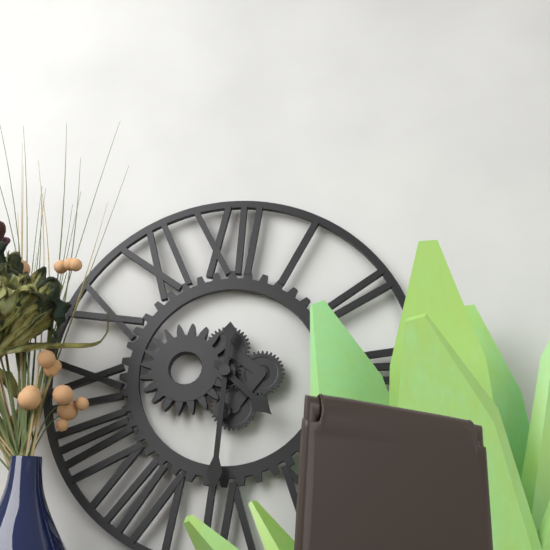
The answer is 4:31
